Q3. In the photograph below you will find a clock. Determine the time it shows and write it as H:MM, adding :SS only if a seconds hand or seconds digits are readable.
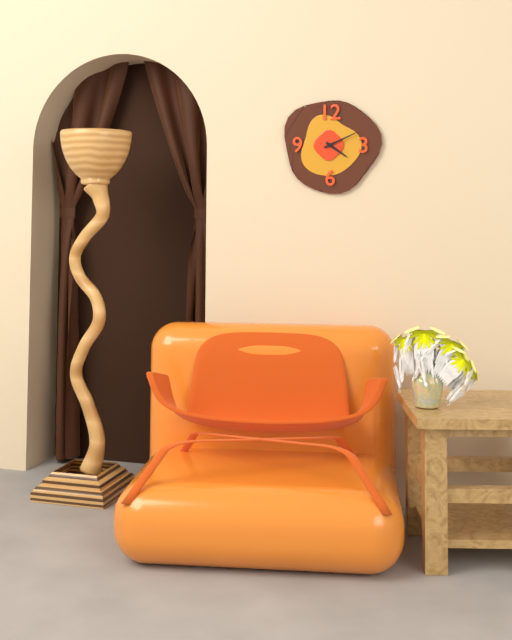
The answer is 4:11
